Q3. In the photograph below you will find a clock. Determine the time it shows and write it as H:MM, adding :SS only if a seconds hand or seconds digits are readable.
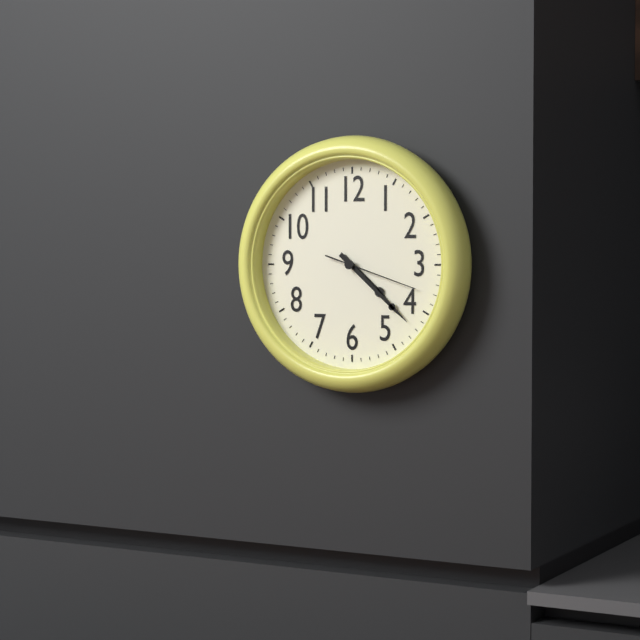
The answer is 4:22:18
